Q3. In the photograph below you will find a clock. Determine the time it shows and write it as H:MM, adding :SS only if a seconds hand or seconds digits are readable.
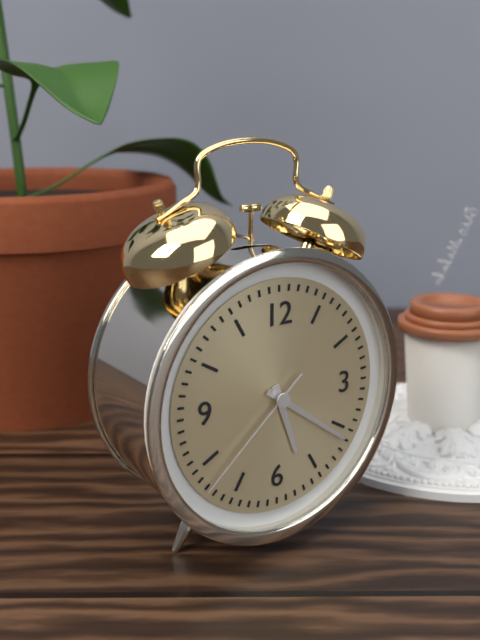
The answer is 5:21:38
